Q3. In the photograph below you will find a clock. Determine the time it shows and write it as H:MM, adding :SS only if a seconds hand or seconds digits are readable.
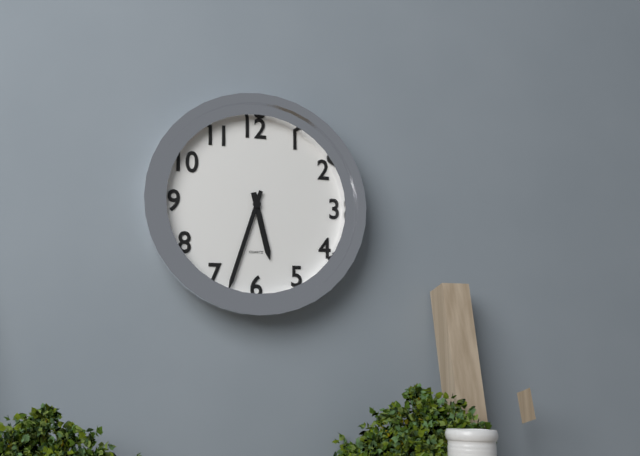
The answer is 5:33
